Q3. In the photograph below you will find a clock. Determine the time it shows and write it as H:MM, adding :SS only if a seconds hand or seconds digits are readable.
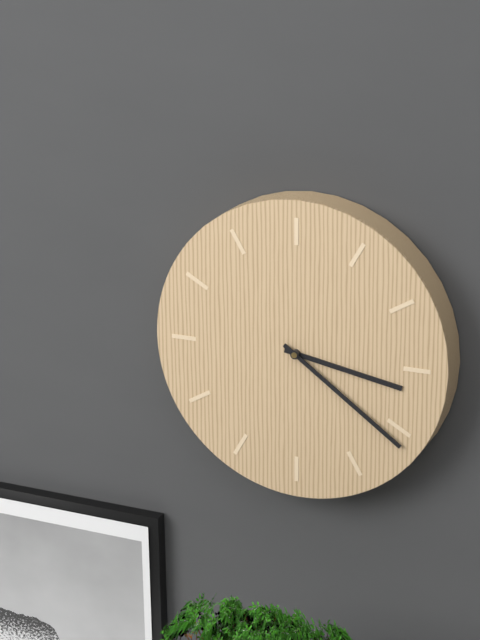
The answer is 3:21
